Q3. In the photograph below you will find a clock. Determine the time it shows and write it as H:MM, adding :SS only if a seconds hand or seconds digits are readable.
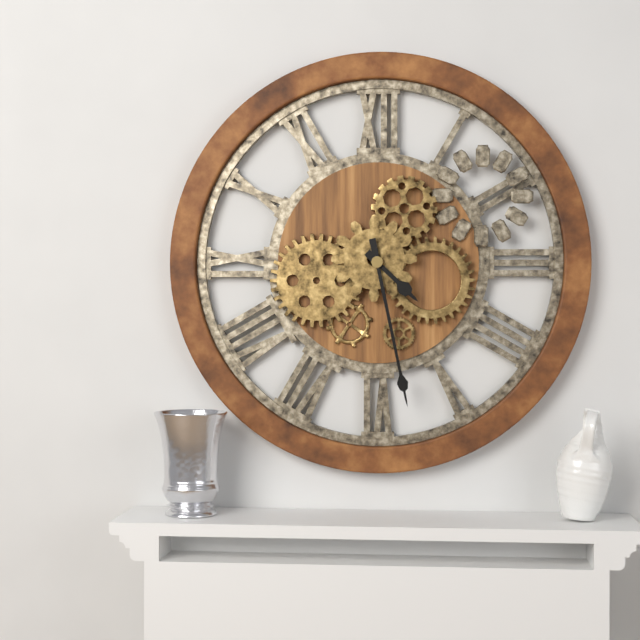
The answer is 4:28
